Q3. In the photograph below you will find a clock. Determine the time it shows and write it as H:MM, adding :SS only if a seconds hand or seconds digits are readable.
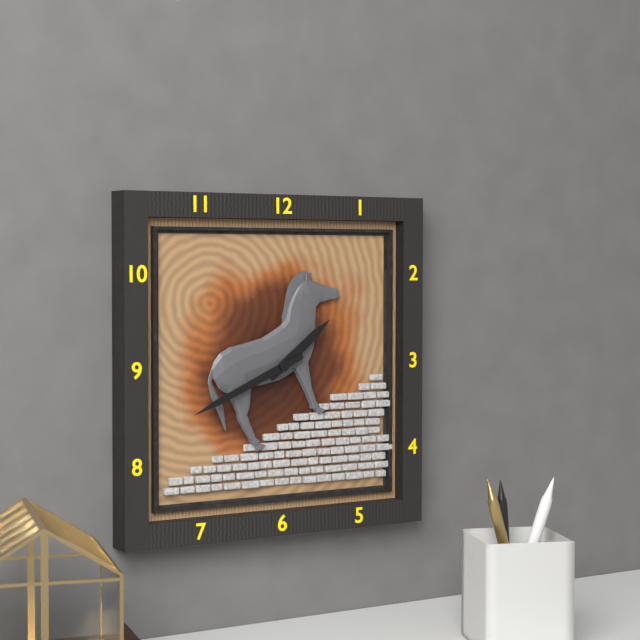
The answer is 1:41
